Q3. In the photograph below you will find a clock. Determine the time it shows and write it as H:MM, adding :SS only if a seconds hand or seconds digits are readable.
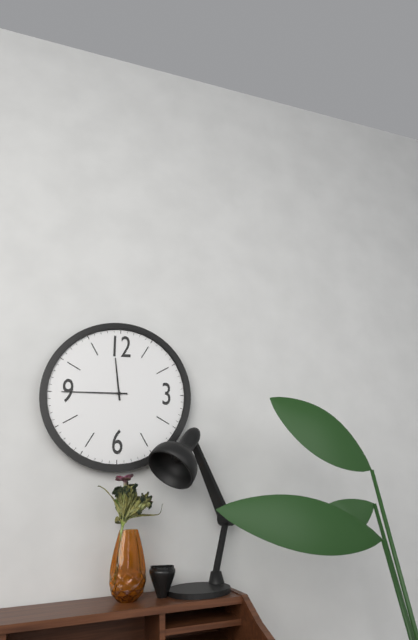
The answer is 11:45
